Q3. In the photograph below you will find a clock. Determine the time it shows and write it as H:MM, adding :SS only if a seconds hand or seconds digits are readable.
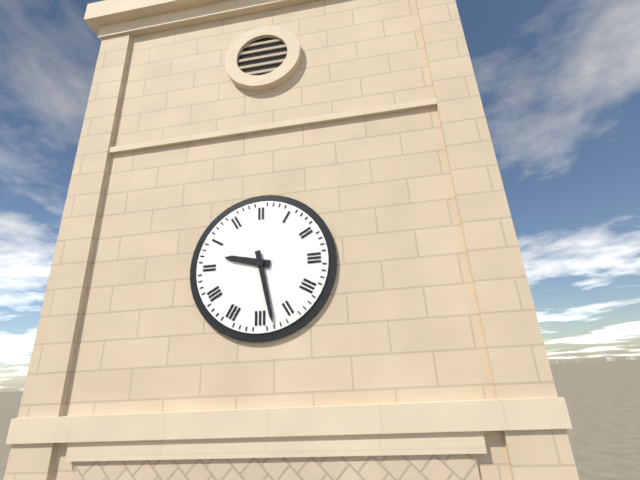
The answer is 9:28
